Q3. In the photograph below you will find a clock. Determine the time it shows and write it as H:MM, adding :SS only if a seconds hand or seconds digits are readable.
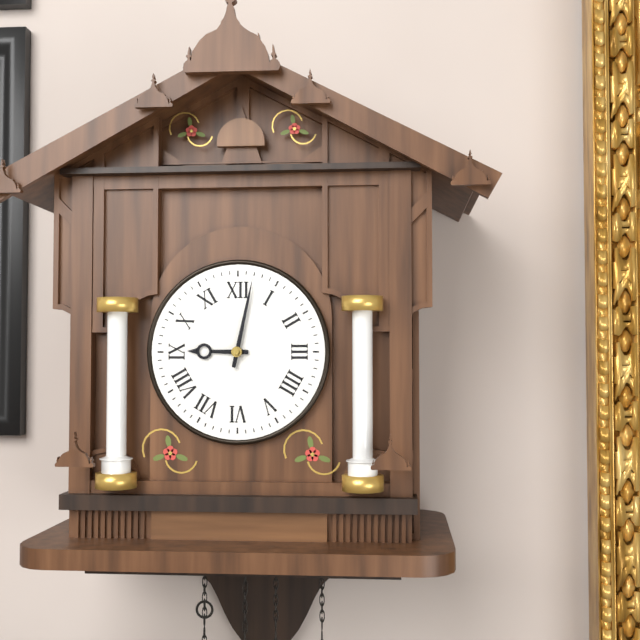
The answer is 9:02
